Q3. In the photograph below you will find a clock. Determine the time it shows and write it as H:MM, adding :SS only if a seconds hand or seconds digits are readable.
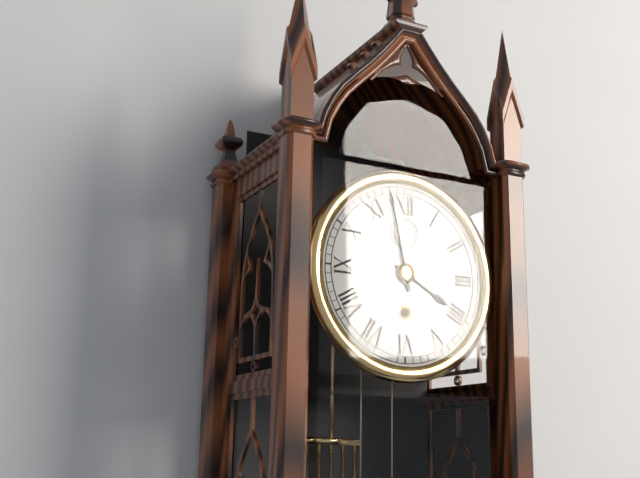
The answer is 3:58
